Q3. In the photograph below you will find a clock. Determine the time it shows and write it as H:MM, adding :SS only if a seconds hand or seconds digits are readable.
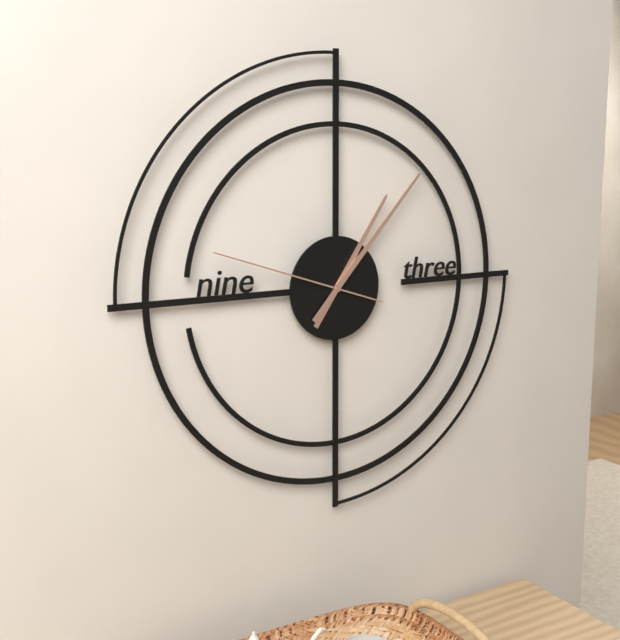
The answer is 1:07:48
